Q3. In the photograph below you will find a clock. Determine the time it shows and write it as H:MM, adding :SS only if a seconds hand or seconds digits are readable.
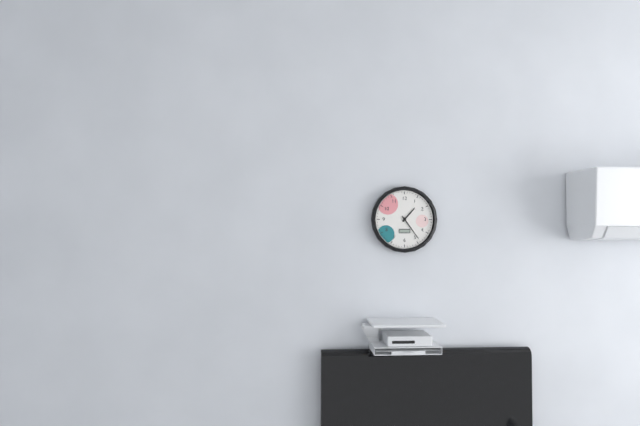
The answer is 1:24
